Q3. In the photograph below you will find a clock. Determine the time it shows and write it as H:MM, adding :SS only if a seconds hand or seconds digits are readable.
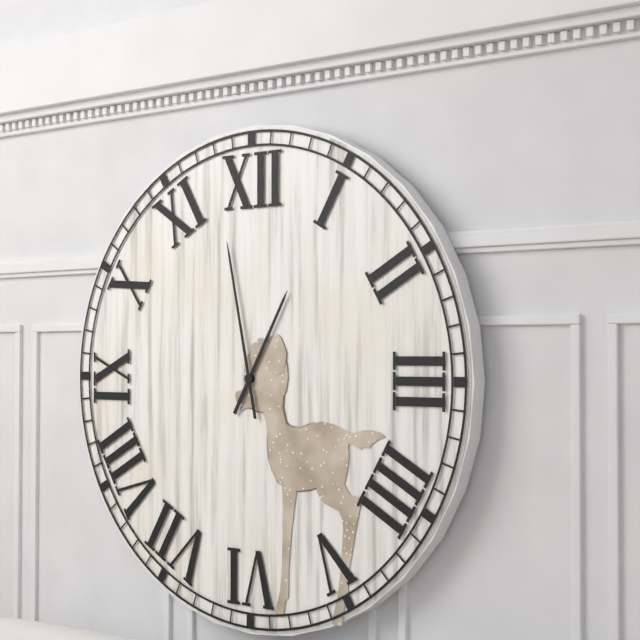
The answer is 12:58
